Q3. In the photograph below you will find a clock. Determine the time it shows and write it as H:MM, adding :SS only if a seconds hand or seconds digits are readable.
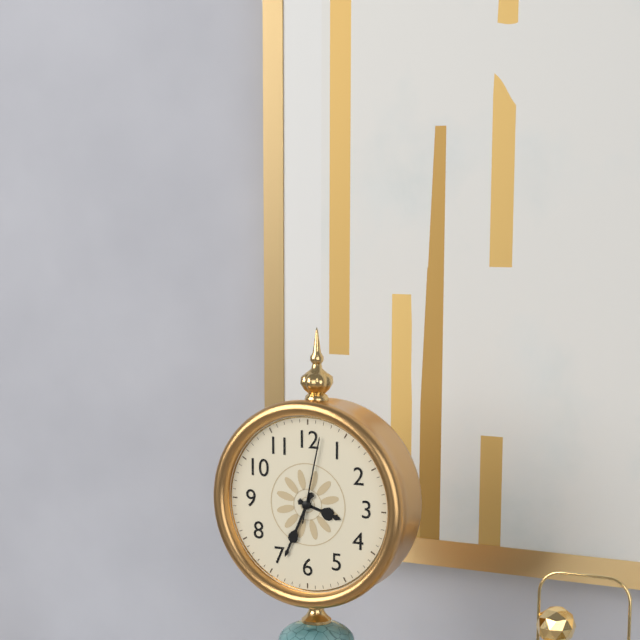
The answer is 3:34:02
